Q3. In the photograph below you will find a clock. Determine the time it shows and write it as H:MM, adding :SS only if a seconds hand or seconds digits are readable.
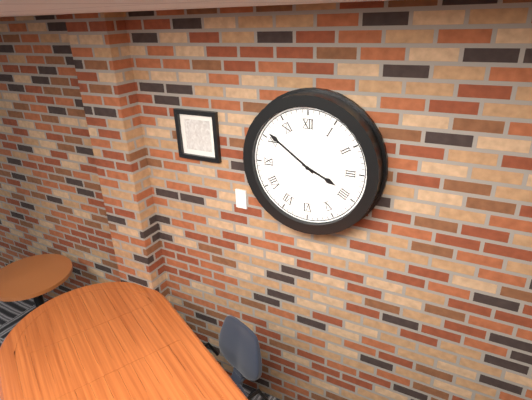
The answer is 3:51
